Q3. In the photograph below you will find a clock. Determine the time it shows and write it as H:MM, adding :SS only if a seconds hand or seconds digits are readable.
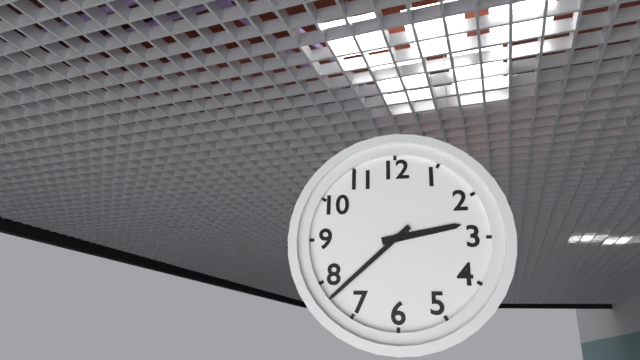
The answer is 2:38
